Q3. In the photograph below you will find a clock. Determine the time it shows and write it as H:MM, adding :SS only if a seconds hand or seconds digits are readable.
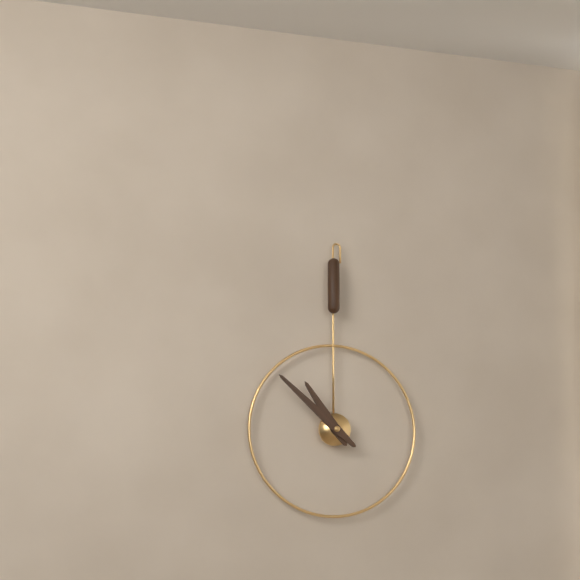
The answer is 10:52
